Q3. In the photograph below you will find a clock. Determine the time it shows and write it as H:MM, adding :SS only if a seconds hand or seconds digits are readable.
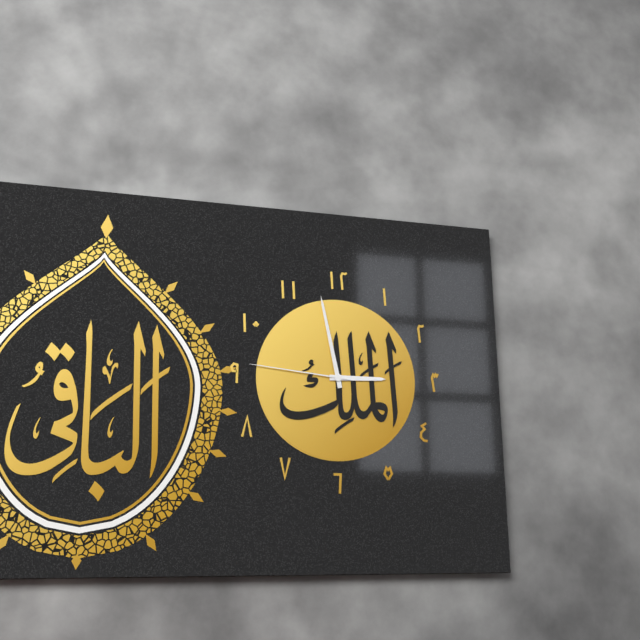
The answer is 2:58:46
